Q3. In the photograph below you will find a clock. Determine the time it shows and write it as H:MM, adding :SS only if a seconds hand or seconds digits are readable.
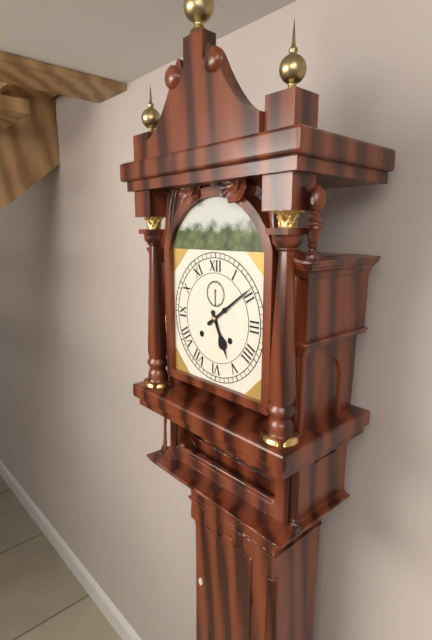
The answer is 5:09
